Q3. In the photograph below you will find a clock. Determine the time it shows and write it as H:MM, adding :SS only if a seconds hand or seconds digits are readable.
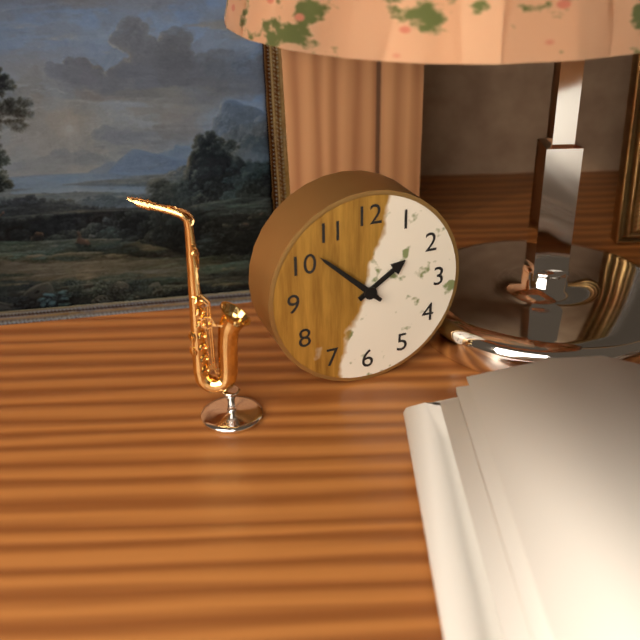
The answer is 1:52
